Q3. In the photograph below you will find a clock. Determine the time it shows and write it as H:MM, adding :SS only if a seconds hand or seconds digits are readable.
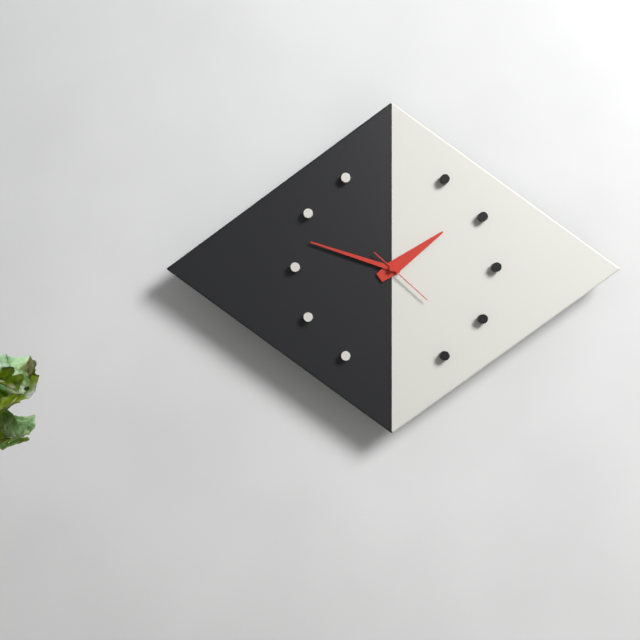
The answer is 1:48:22
